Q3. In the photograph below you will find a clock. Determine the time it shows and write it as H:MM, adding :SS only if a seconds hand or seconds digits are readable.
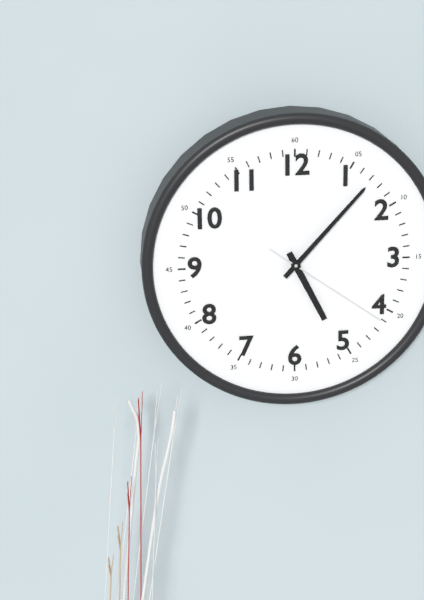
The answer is 5:07:21
